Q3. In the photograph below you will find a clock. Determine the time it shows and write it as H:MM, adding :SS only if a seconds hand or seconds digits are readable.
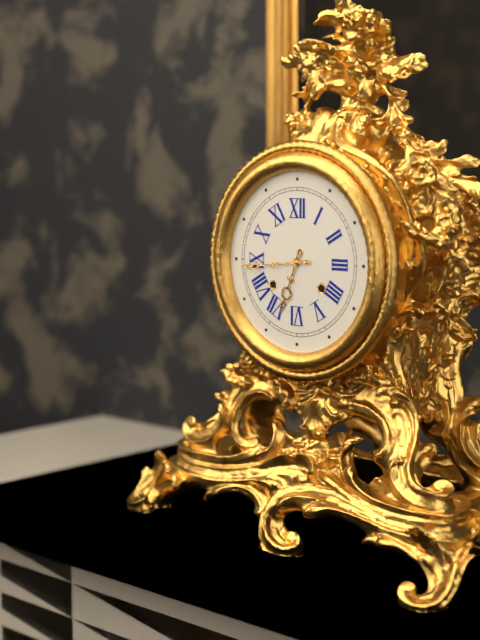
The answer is 6:44
